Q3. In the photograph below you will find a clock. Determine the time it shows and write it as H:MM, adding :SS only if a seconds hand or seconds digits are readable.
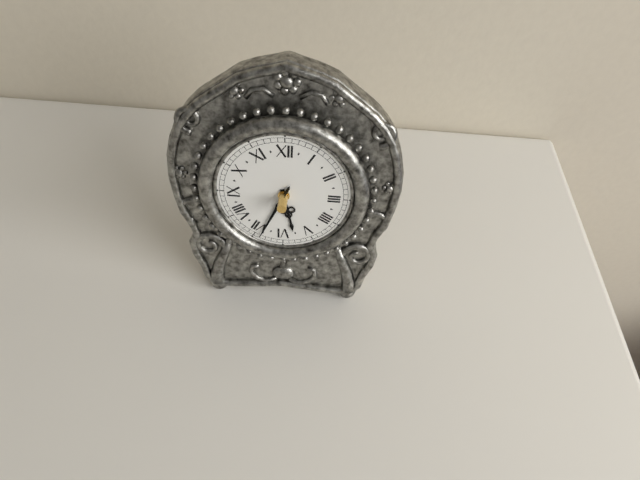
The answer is 5:34
